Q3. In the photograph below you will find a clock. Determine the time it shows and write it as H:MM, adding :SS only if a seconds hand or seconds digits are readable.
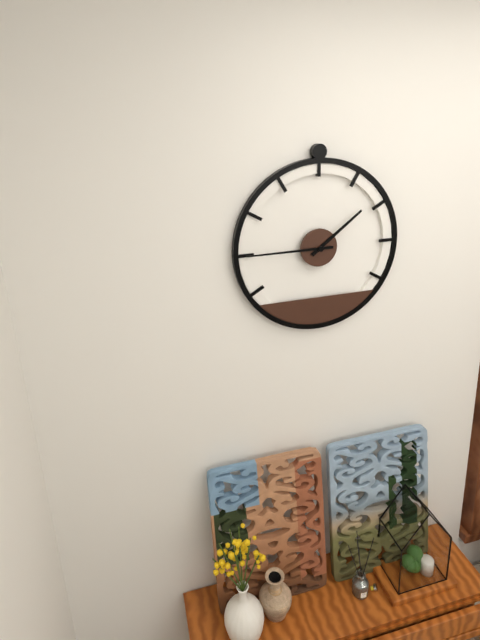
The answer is 1:45
